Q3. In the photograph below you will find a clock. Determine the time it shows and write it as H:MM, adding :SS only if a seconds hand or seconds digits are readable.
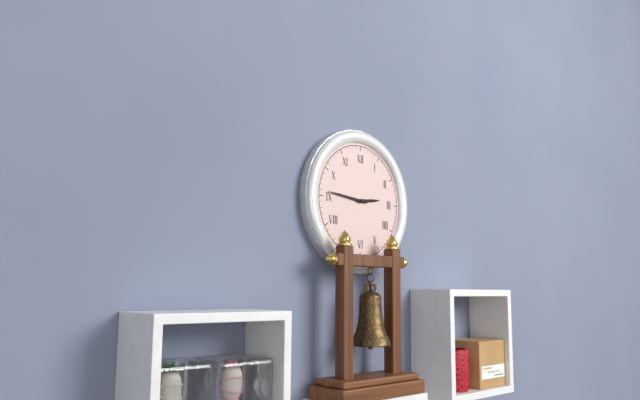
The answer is 2:46
